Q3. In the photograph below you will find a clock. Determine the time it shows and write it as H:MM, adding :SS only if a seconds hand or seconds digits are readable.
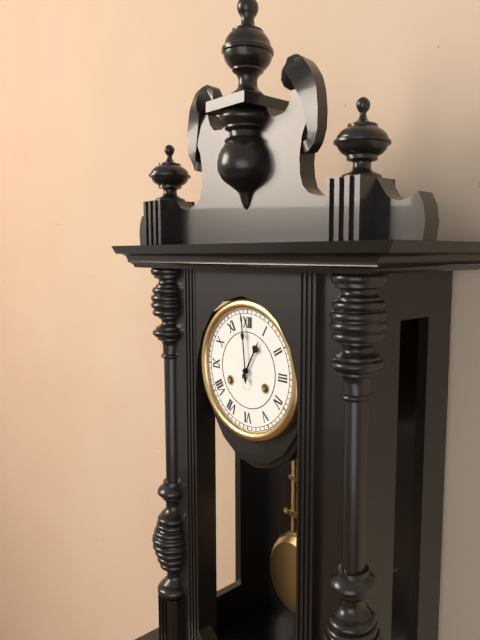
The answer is 12:59
